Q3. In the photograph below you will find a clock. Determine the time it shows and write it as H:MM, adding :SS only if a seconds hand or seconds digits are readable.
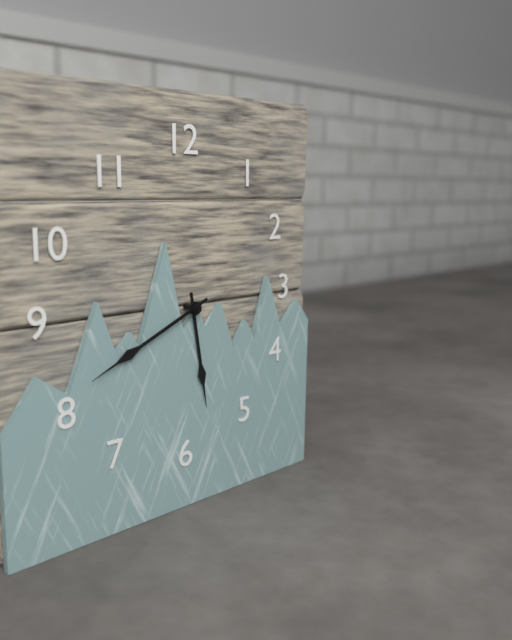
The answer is 5:41
